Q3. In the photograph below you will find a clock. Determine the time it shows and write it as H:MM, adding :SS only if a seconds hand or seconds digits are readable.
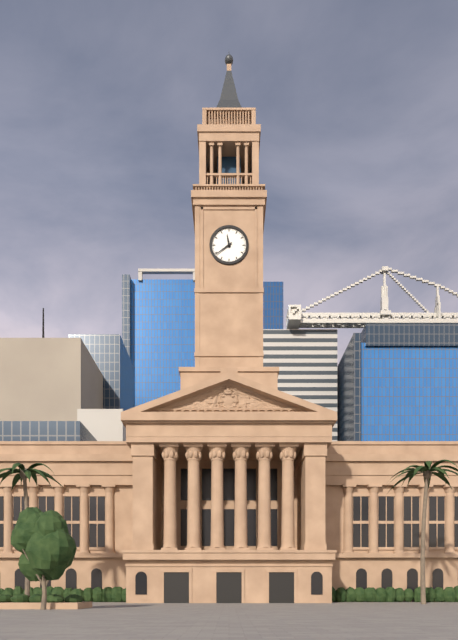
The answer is 11:39
